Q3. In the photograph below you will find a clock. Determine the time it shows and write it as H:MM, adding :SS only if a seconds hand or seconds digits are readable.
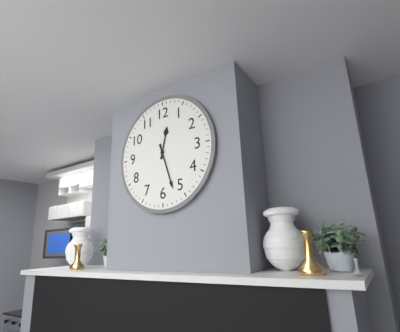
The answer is 12:27
